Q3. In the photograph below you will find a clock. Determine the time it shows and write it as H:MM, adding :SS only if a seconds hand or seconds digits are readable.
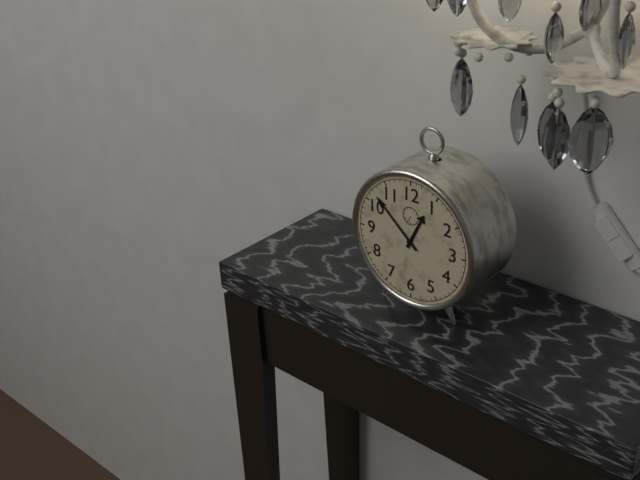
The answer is 12:52
